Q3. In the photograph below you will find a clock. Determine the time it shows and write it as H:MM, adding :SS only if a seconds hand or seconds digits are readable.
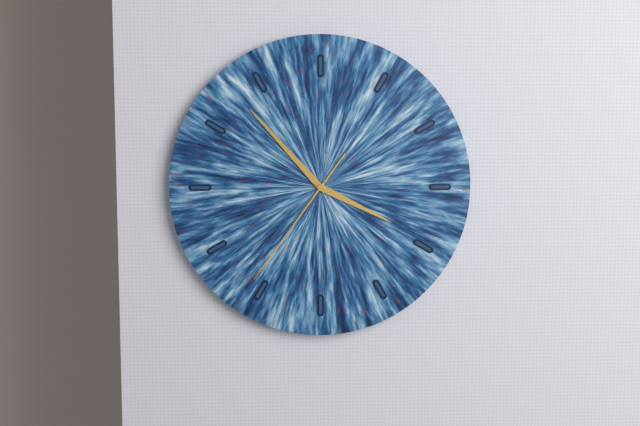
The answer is 3:53:36
